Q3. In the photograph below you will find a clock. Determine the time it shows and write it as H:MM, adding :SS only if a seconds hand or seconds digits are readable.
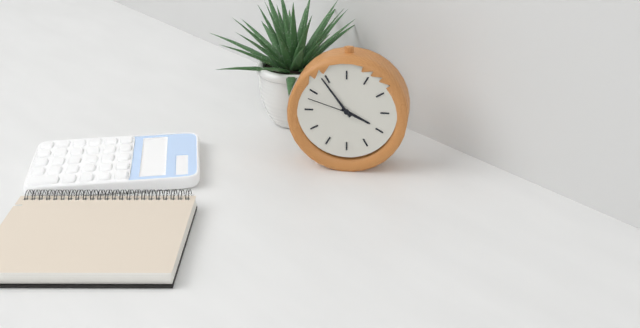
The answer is 3:54:48
